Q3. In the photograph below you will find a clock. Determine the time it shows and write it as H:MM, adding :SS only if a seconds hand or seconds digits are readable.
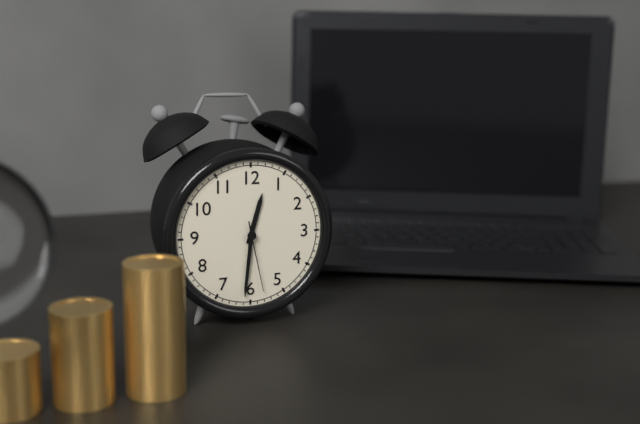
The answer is 12:31:28
